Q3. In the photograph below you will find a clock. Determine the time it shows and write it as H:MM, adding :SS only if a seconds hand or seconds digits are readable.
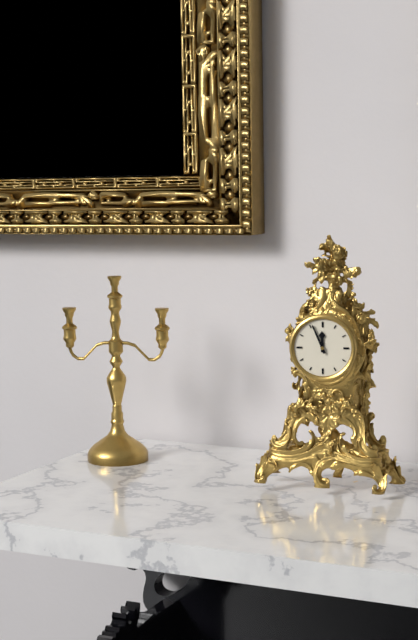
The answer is 11:56
